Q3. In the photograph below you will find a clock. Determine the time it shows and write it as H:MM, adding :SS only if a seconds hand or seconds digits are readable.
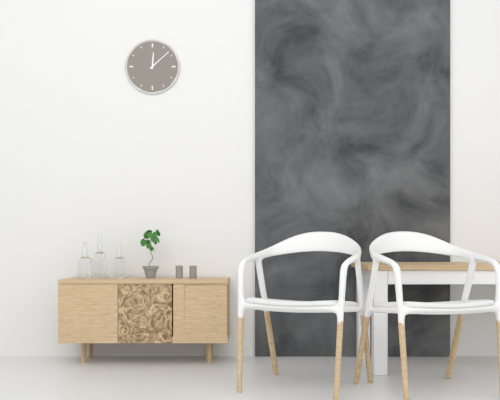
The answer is 12:08
